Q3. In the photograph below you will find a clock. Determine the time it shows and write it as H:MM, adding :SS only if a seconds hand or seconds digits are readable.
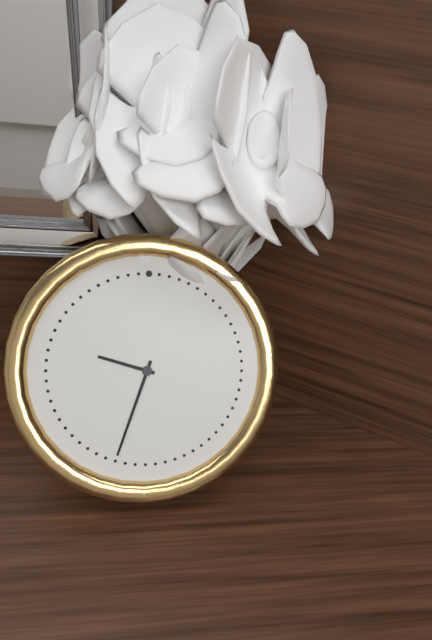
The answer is 9:33
